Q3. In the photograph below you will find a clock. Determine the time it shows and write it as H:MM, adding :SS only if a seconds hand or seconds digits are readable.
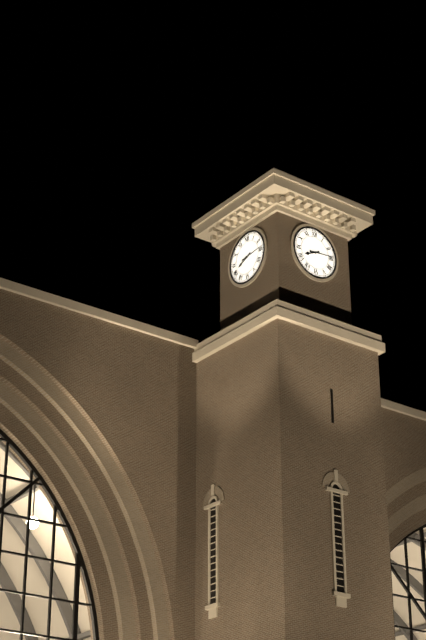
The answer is 8:14
